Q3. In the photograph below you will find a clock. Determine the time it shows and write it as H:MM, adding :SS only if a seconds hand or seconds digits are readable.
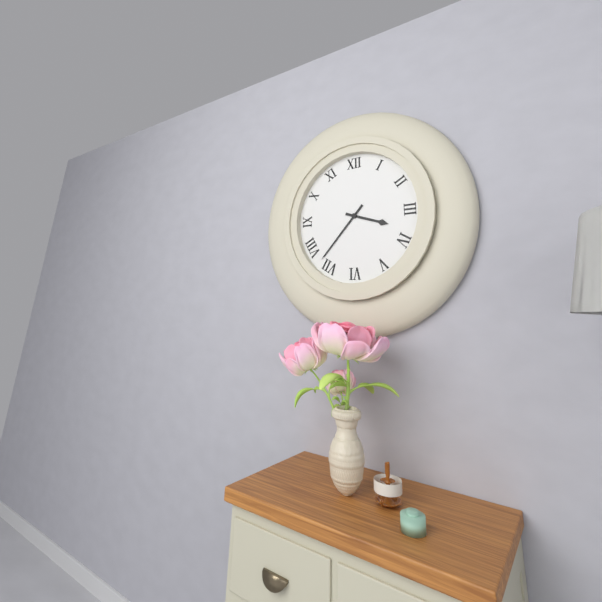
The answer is 3:37
